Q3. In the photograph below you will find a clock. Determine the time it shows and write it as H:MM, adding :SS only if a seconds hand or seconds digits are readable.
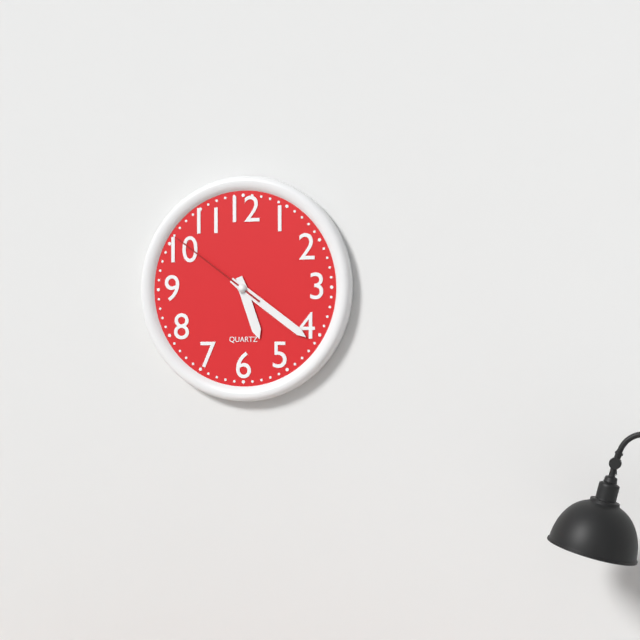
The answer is 5:21:51
